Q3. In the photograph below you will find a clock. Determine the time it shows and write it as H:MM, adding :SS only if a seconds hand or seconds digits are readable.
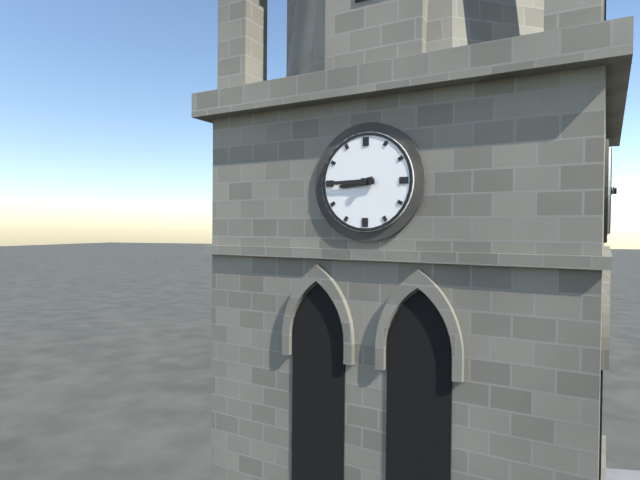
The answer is 8:45
